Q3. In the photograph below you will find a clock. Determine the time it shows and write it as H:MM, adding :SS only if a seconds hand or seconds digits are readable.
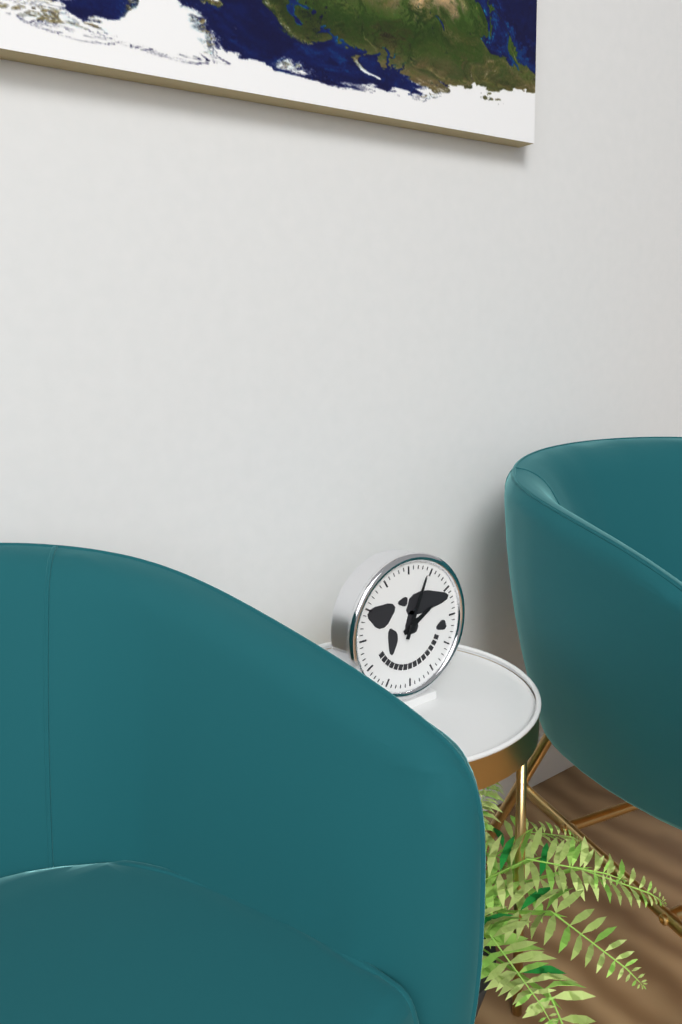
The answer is 2:04
